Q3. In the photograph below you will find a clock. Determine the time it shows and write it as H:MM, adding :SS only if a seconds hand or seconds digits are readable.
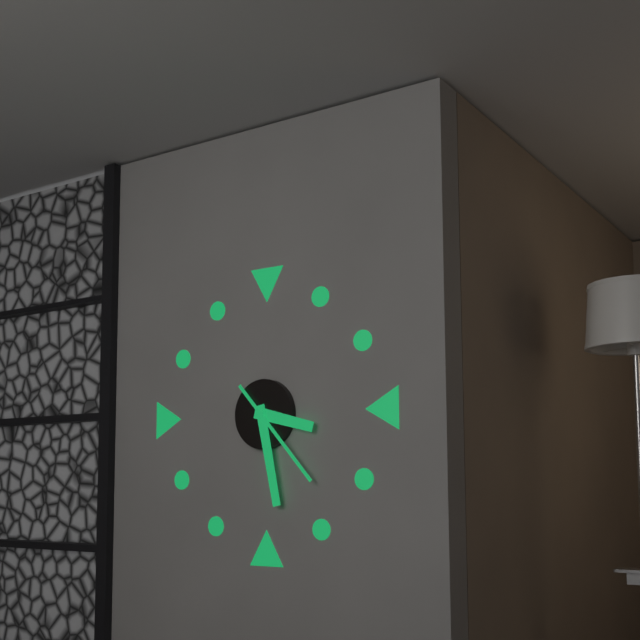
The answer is 3:28:23
